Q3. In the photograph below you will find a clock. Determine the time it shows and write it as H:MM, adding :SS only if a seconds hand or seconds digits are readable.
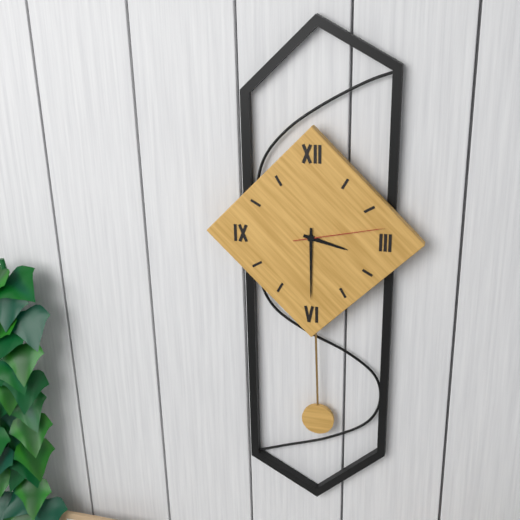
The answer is 3:30:13
